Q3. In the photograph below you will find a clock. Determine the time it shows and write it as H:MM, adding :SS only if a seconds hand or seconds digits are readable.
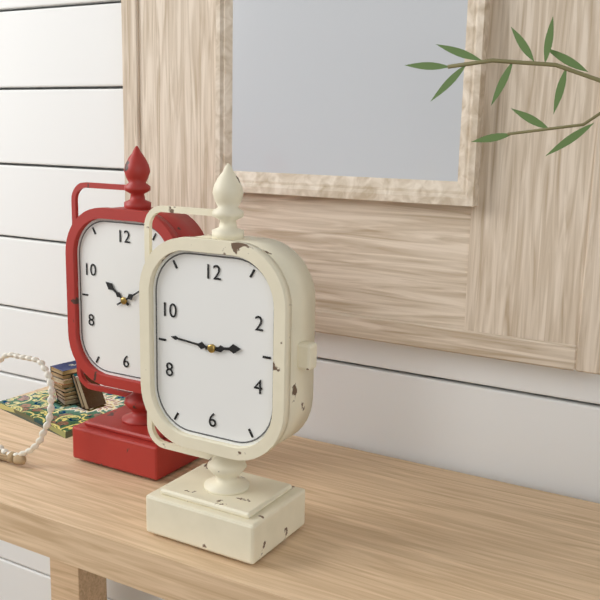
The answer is 2:46
